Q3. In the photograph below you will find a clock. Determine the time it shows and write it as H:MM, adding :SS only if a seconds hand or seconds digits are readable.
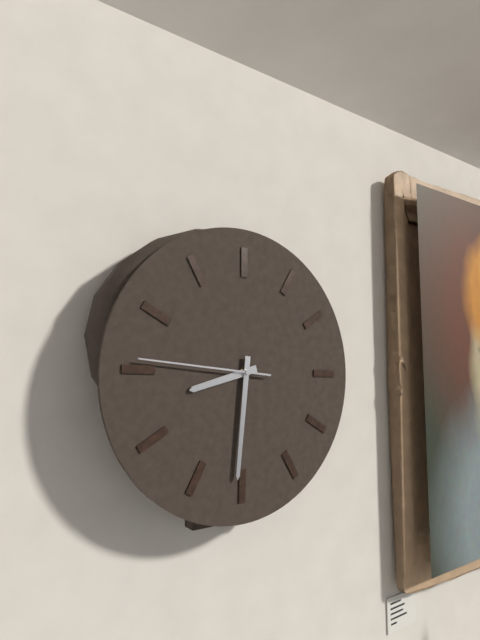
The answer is 8:31:46
